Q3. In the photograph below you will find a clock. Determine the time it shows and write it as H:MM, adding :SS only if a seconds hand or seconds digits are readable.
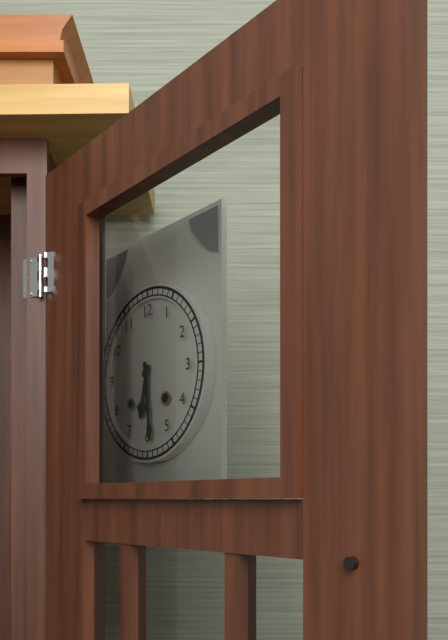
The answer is 6:29
